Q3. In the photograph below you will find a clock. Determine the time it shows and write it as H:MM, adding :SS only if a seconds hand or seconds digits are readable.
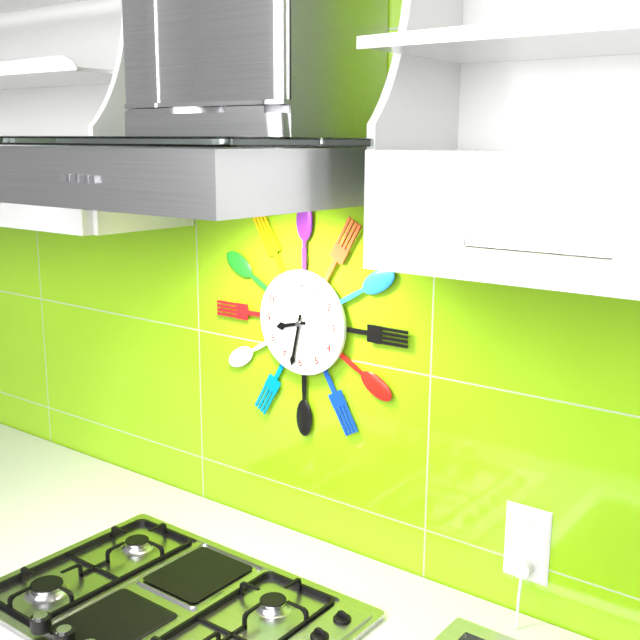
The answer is 8:32
